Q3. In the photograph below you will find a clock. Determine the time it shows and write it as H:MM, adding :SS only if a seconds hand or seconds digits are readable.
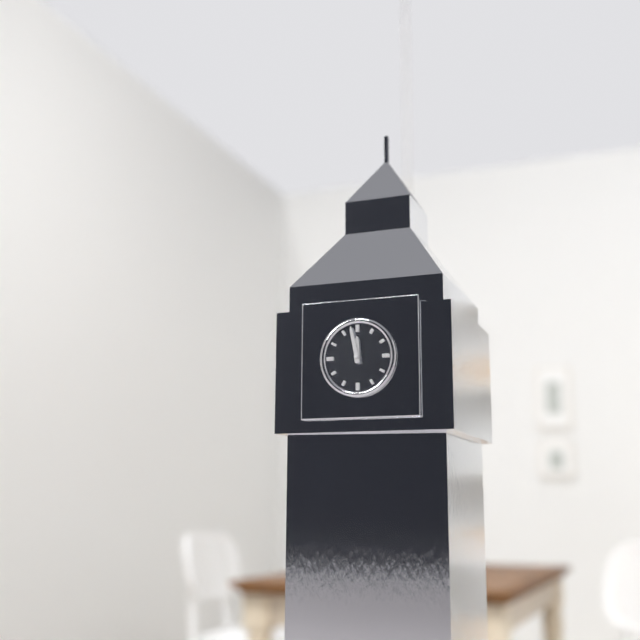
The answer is 11:58
